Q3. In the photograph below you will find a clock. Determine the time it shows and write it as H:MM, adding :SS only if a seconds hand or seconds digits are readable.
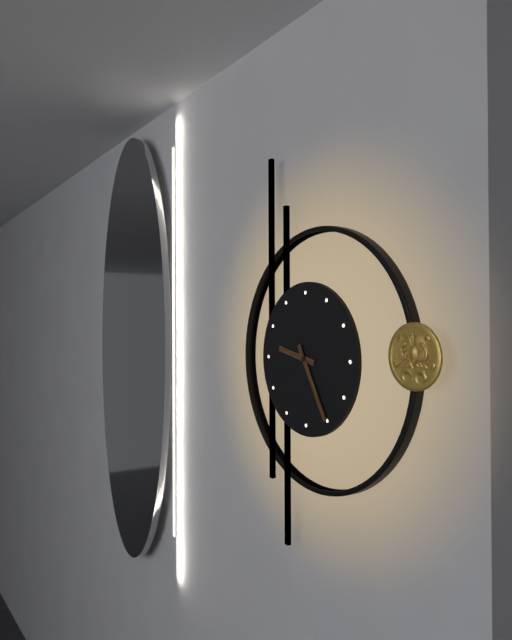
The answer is 9:25
